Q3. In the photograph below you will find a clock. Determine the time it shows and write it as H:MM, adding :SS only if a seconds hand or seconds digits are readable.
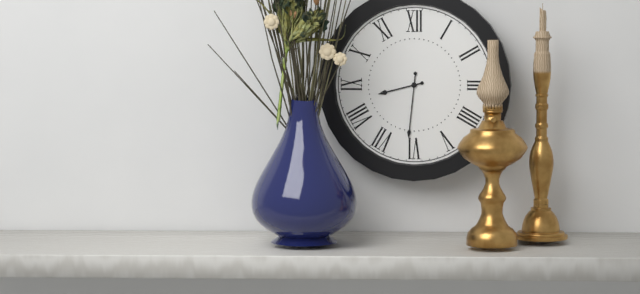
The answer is 8:31
